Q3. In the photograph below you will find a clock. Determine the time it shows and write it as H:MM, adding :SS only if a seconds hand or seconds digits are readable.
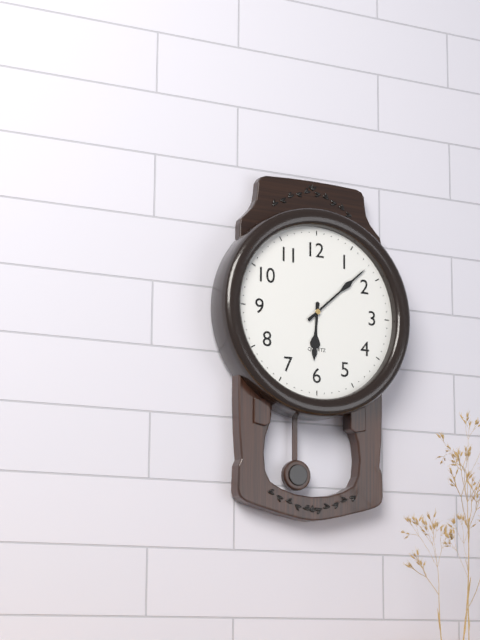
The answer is 6:08
